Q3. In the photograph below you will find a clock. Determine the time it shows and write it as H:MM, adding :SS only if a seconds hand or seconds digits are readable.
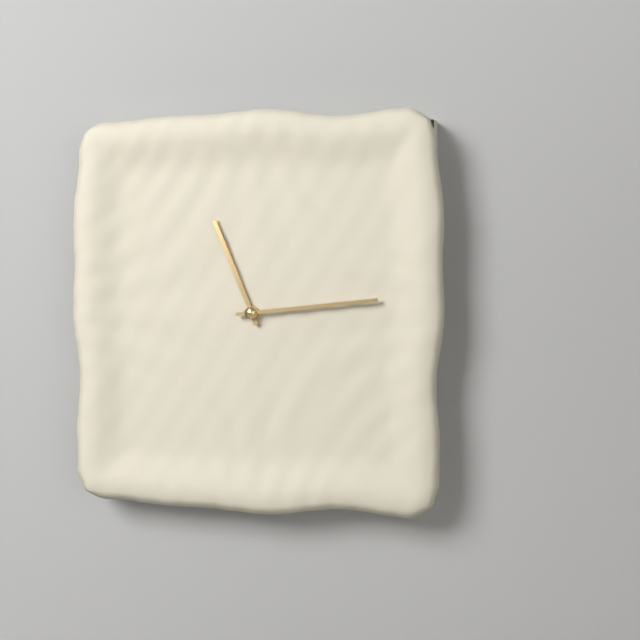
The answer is 11:14
